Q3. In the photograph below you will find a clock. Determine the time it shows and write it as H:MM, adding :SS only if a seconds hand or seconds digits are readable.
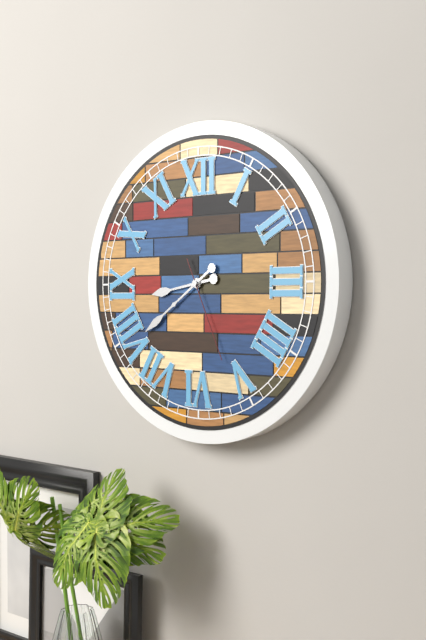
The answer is 8:39:26
